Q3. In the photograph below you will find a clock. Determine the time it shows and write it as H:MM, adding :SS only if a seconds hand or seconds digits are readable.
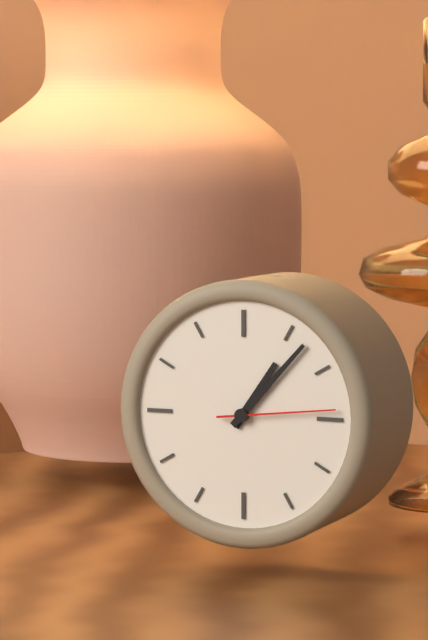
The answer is 1:07:14
